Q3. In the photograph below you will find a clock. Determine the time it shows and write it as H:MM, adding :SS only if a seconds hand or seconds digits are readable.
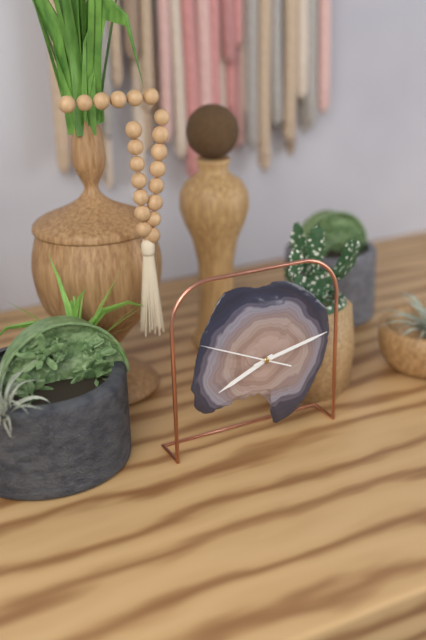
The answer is 8:13:49
